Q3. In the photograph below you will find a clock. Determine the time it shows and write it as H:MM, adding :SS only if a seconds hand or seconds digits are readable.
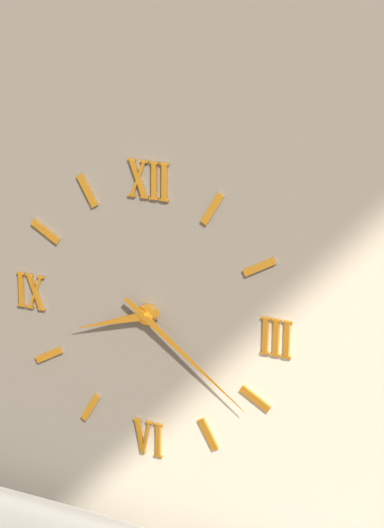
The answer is 8:21
